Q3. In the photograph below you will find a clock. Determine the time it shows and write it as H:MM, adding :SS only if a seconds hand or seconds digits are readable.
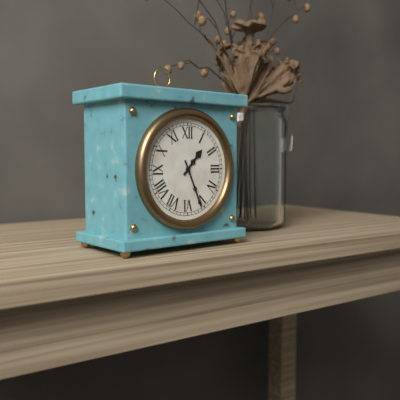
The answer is 1:26
